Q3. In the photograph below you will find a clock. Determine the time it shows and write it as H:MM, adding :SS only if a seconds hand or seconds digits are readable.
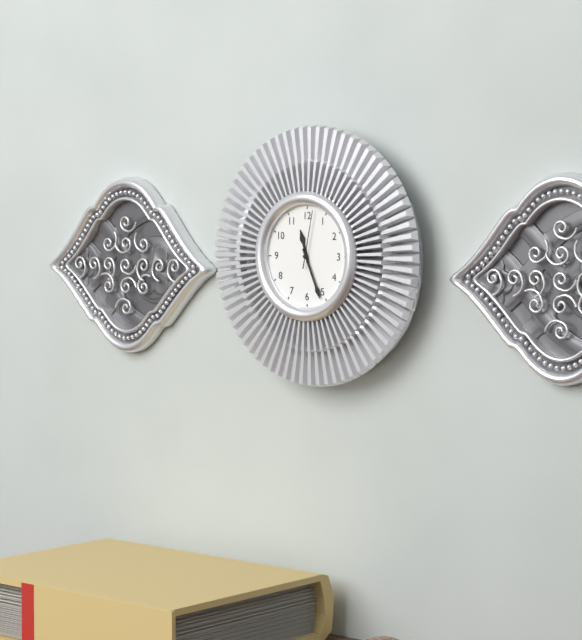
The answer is 11:26:02
